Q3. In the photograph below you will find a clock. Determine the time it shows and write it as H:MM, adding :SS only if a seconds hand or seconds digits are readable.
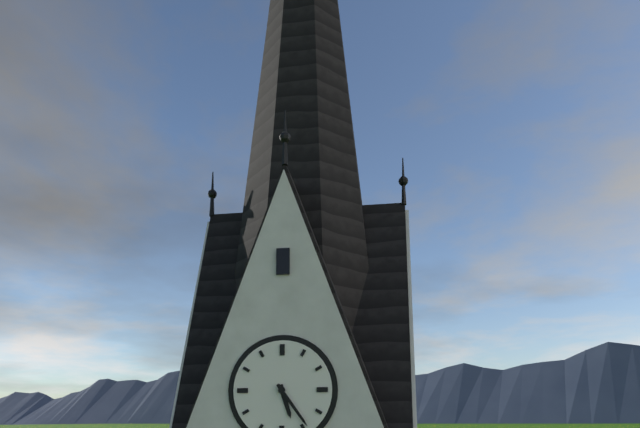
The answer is 5:24
